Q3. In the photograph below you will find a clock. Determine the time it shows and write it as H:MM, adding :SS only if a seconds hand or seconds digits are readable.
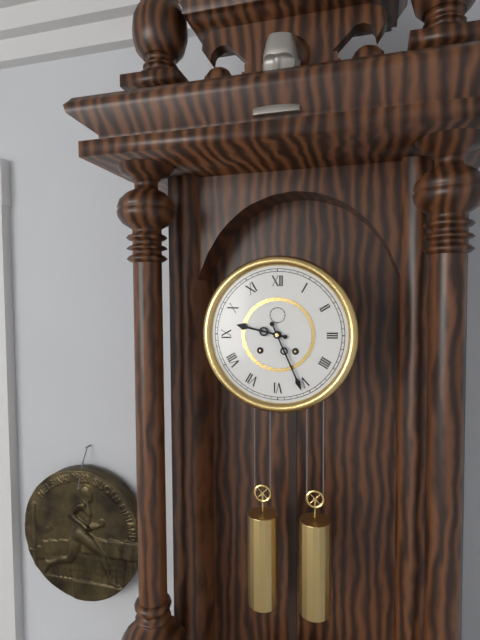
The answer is 9:26
